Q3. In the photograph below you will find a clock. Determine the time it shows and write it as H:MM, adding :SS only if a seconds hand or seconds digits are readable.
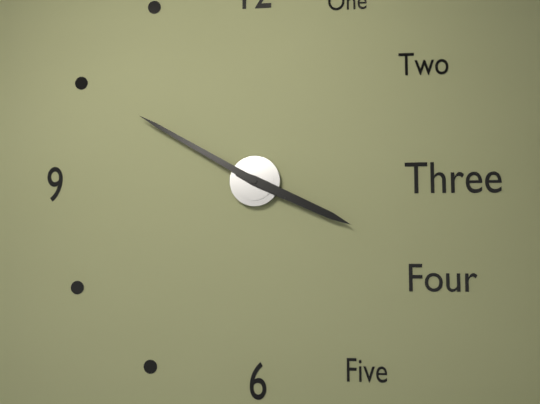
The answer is 3:50
